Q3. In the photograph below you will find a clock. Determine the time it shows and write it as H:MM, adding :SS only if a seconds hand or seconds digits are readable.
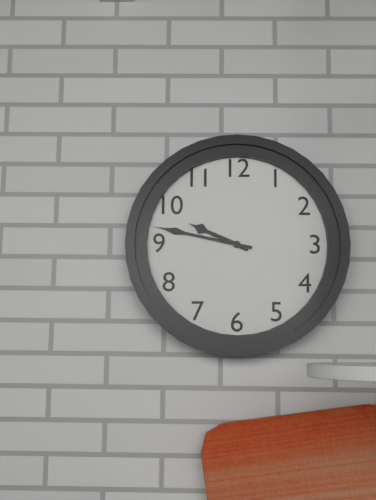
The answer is 9:47
